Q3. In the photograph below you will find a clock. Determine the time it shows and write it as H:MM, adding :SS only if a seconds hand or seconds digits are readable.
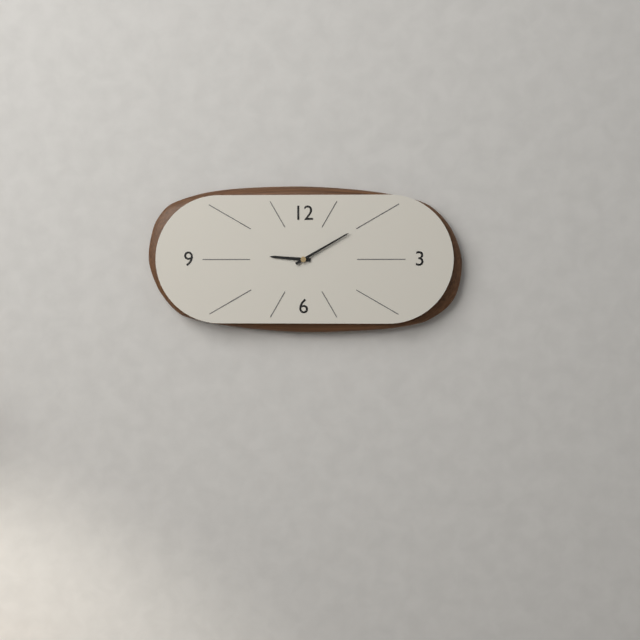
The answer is 9:10
